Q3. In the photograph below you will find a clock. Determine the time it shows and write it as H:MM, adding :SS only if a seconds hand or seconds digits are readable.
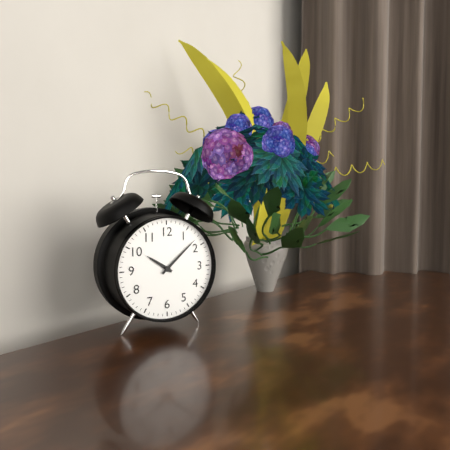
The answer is 10:08
